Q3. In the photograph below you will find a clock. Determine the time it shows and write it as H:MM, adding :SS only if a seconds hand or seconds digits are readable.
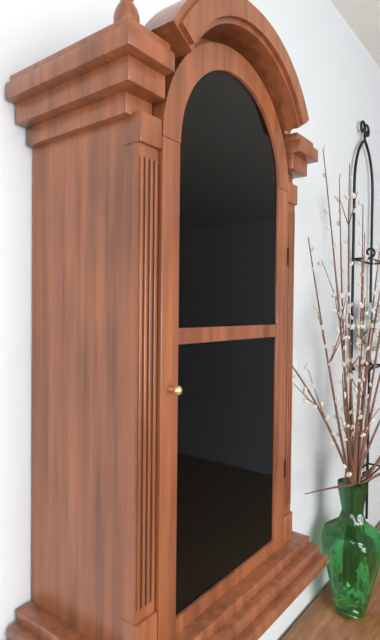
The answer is 9:37
